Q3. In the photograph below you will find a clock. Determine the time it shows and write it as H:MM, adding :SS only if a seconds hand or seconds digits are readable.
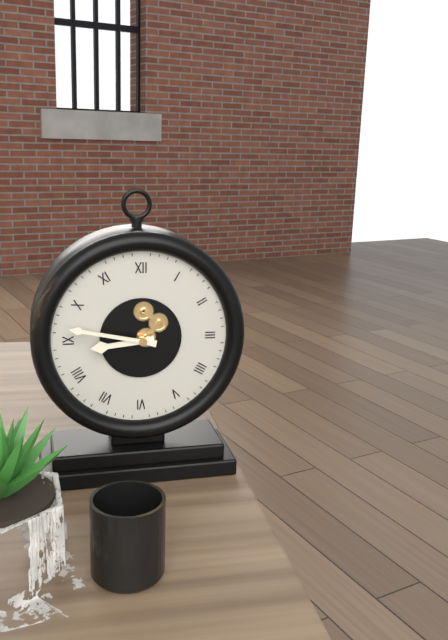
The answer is 8:47
